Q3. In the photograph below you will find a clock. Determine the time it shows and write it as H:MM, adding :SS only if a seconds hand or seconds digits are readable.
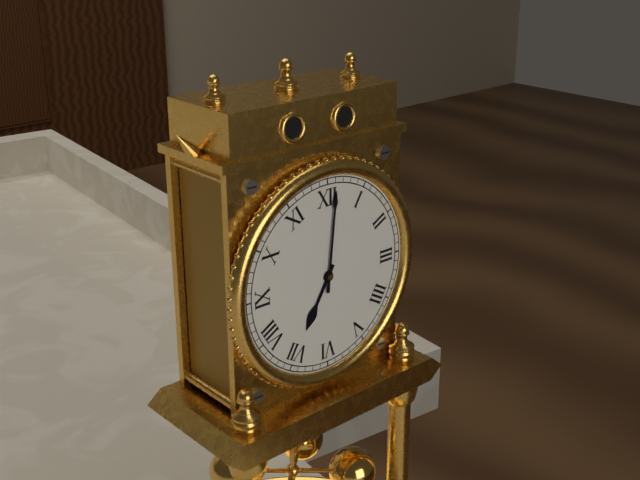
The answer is 7:01
